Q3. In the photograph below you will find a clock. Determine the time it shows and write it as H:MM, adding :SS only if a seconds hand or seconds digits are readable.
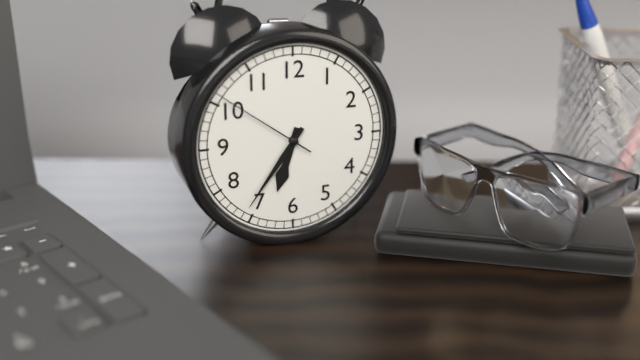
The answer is 6:36:51
